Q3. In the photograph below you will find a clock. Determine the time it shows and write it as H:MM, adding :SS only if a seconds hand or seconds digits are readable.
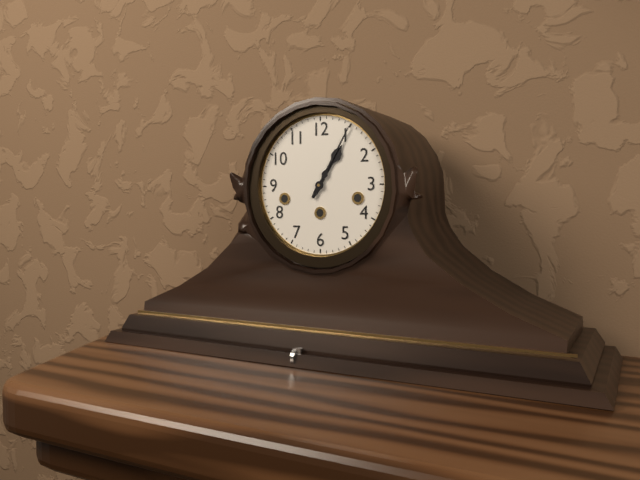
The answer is 1:05
